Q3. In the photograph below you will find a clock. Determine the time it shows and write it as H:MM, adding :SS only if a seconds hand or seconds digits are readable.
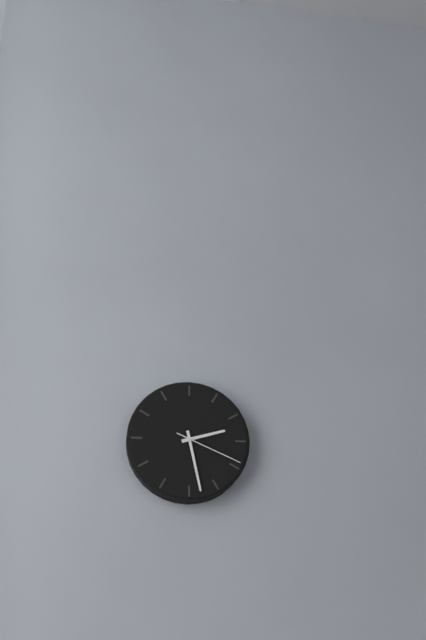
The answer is 2:28:19
